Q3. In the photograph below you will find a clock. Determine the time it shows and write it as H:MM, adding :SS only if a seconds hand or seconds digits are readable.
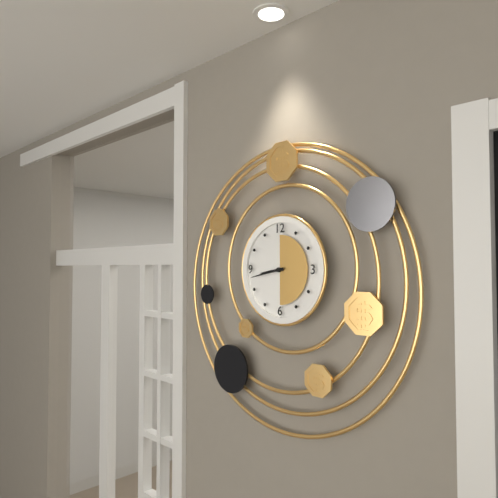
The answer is 8:43
